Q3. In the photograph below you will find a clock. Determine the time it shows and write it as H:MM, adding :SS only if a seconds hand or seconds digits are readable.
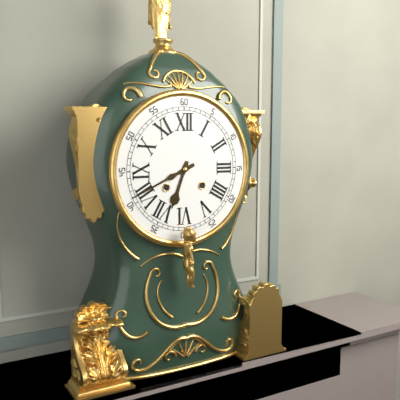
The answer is 6:41
